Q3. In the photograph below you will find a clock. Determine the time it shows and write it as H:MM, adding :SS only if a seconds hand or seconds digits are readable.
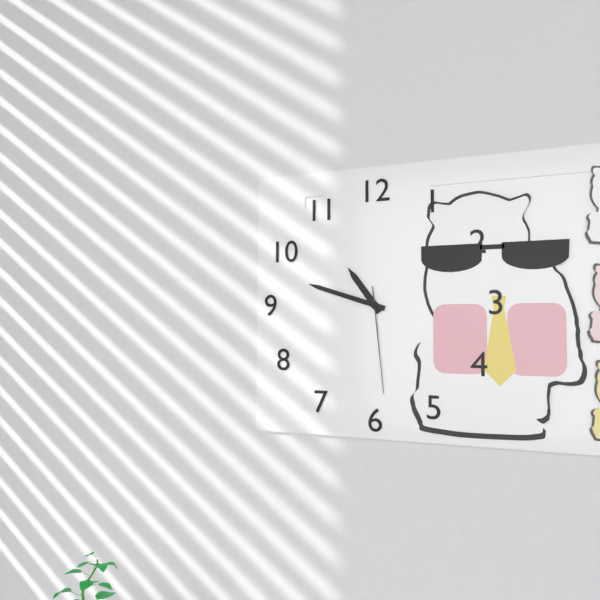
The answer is 10:48:29
